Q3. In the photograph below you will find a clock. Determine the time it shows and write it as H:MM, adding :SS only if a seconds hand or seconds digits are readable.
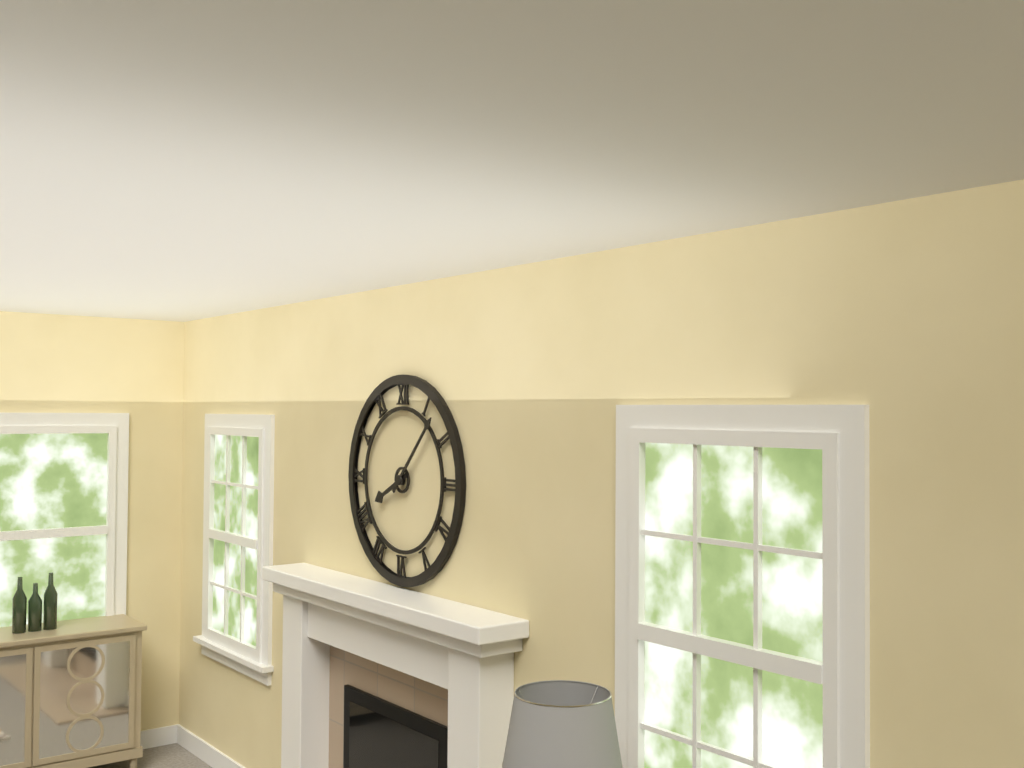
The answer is 8:07
